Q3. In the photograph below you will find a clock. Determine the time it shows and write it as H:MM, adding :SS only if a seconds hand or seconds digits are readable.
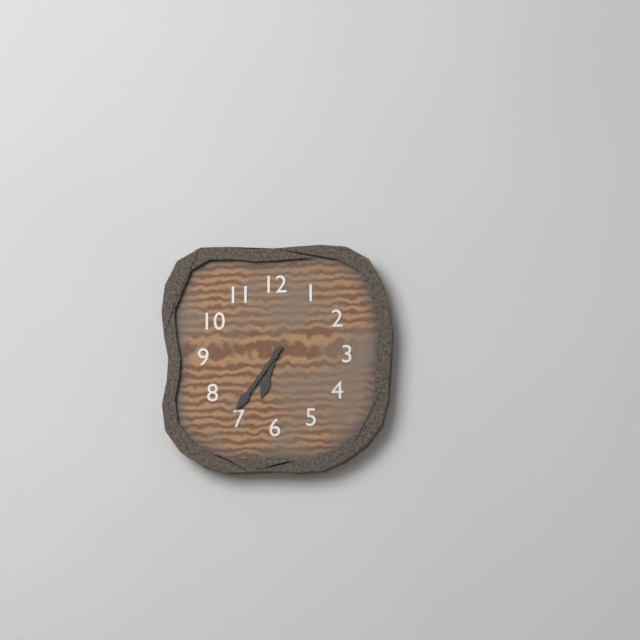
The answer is 6:36
